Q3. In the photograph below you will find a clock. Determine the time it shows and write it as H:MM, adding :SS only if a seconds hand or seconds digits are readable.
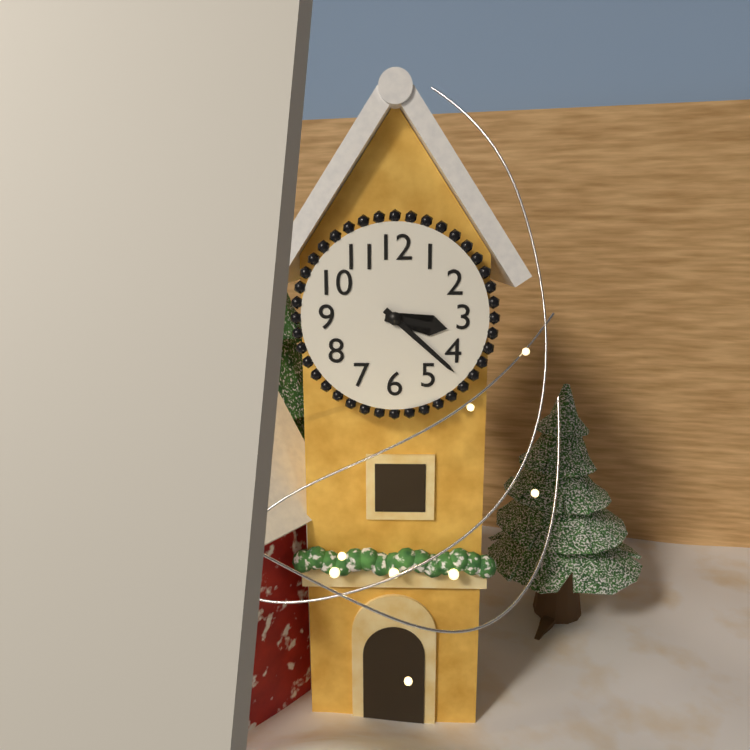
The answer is 3:22
